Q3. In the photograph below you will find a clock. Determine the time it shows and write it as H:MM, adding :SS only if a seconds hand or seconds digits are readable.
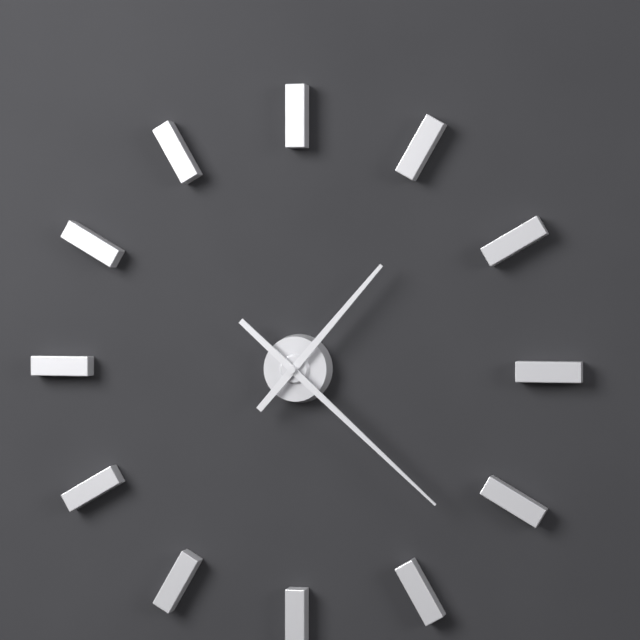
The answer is 1:22
